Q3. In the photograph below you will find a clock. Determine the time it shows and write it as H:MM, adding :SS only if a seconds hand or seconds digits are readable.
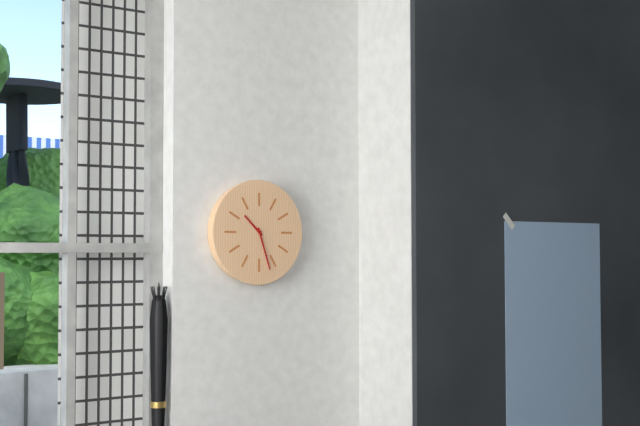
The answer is 10:27
